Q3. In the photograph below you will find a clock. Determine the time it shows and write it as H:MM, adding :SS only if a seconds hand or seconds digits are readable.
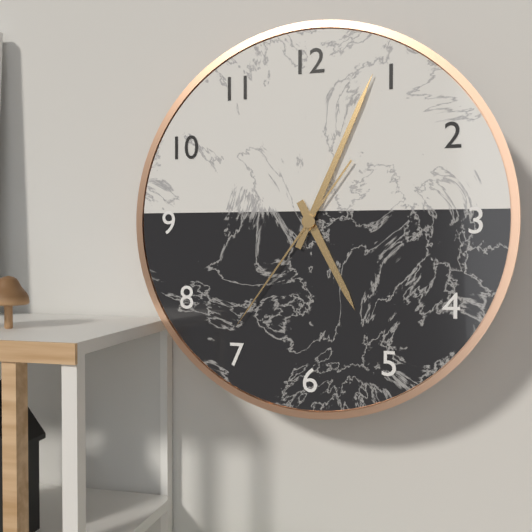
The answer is 5:04:36
